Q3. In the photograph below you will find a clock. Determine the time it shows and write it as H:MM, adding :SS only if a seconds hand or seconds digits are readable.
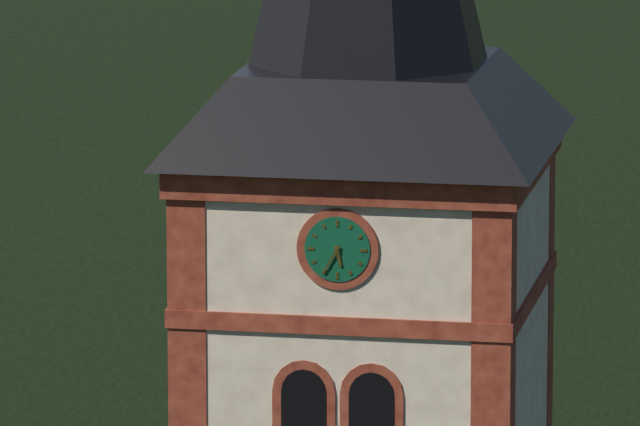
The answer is 5:35
